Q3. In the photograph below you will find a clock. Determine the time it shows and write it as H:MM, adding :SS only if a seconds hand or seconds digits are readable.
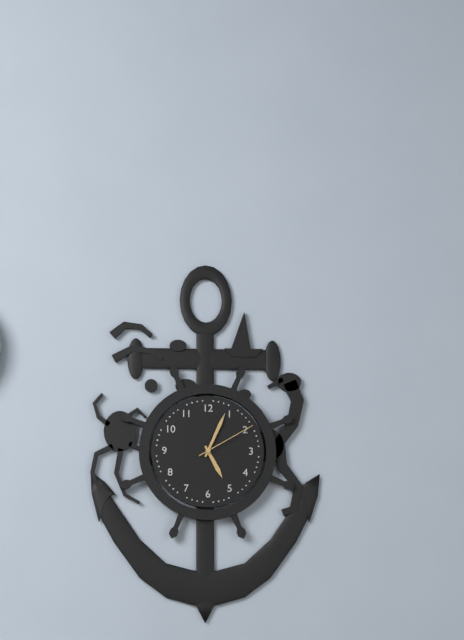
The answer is 5:04:10
